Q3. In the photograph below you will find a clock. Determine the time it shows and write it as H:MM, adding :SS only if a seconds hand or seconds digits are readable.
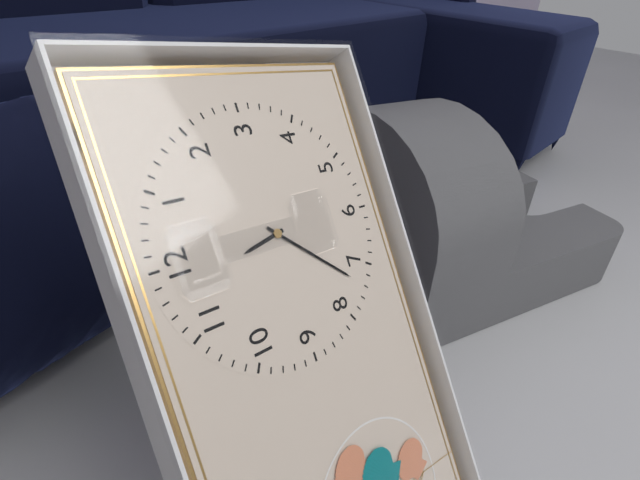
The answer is 11:37
